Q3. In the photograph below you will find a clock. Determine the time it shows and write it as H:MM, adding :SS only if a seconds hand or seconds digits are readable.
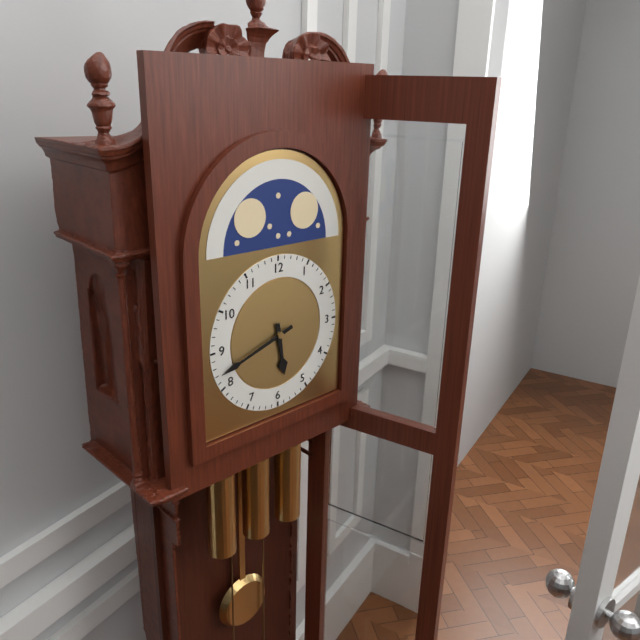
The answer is 5:42
